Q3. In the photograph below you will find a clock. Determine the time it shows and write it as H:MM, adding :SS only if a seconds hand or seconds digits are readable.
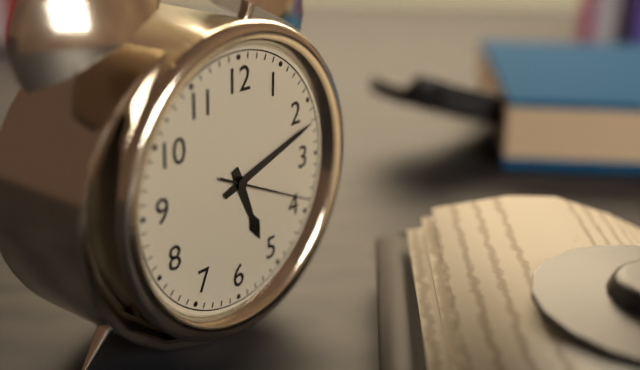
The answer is 5:12:19
